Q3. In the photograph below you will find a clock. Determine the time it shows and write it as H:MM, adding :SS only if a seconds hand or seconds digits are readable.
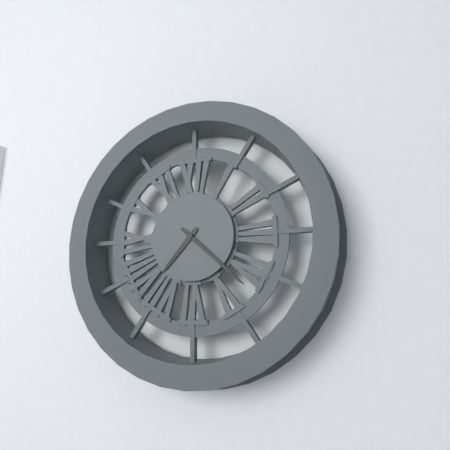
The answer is 7:22
